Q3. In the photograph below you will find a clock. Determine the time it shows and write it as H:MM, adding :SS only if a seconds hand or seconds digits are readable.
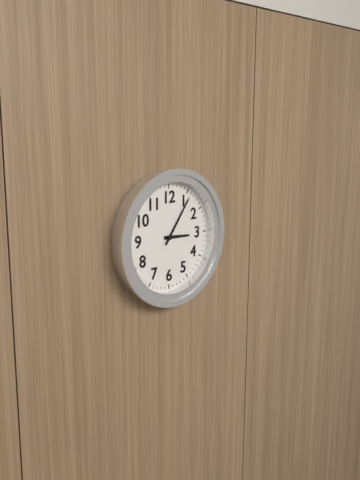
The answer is 3:06
